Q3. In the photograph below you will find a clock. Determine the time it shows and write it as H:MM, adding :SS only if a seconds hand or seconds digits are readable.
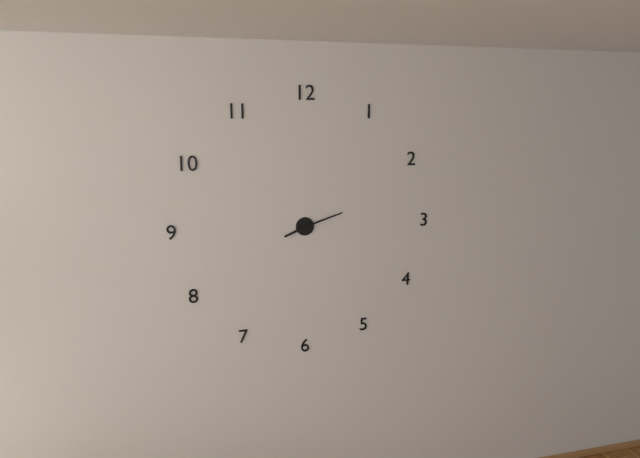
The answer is 8:12
